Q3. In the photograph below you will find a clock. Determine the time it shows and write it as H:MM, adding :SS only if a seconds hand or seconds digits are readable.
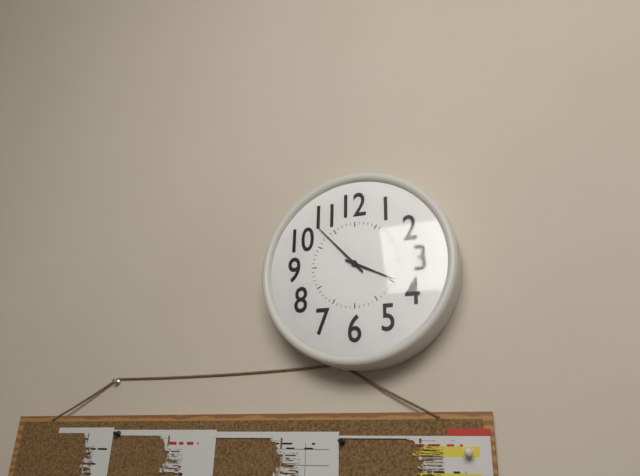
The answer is 3:53
